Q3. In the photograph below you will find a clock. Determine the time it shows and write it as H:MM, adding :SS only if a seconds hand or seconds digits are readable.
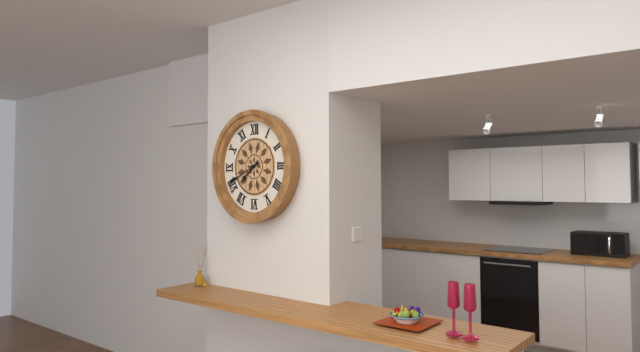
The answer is 7:41
